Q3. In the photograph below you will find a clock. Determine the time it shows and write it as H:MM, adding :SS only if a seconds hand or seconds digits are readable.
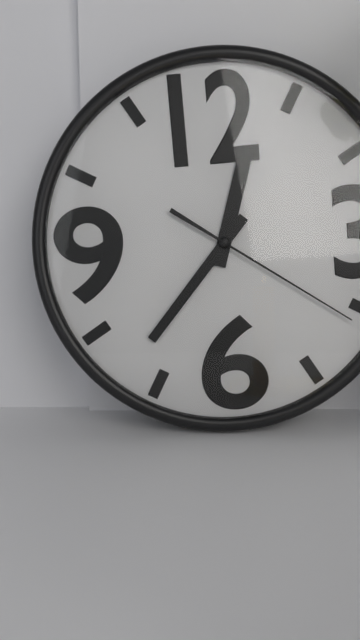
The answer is 12:37:21
